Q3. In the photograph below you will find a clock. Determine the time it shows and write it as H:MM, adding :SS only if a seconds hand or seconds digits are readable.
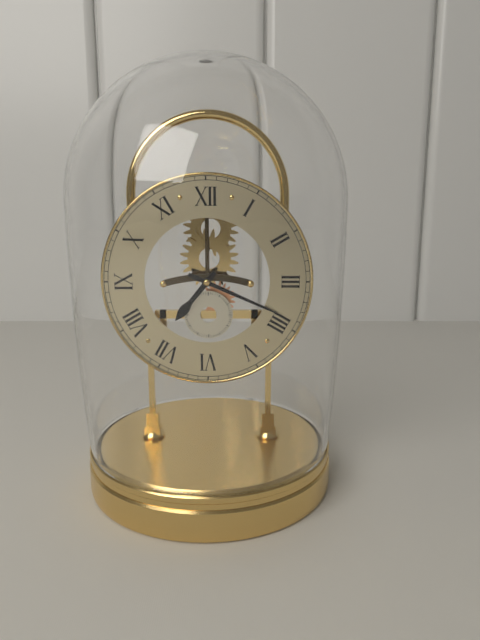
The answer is 7:19
